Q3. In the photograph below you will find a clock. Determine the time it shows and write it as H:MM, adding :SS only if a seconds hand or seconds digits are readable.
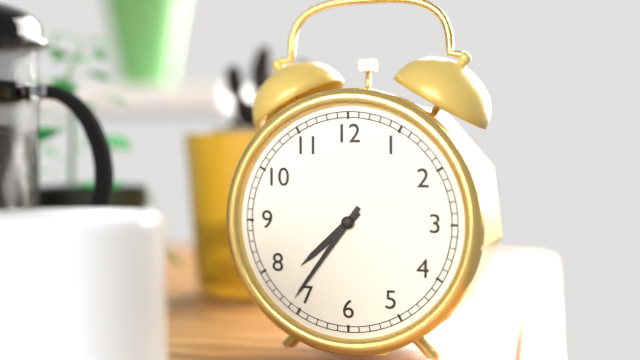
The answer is 7:36
